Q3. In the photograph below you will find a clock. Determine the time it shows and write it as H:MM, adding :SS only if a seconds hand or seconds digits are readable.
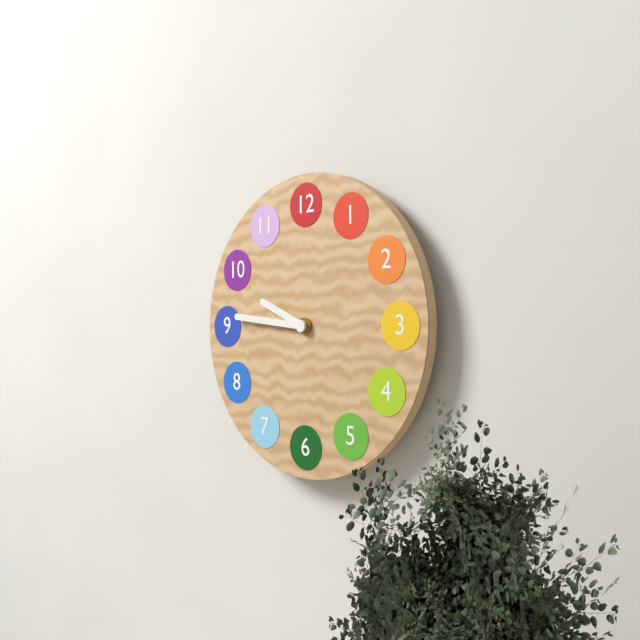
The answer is 9:46
